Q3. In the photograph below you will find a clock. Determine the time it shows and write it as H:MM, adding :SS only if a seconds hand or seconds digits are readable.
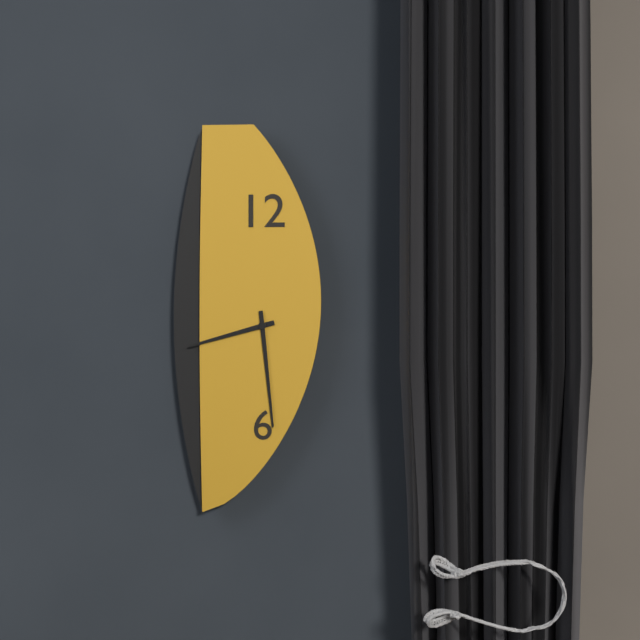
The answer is 8:29
